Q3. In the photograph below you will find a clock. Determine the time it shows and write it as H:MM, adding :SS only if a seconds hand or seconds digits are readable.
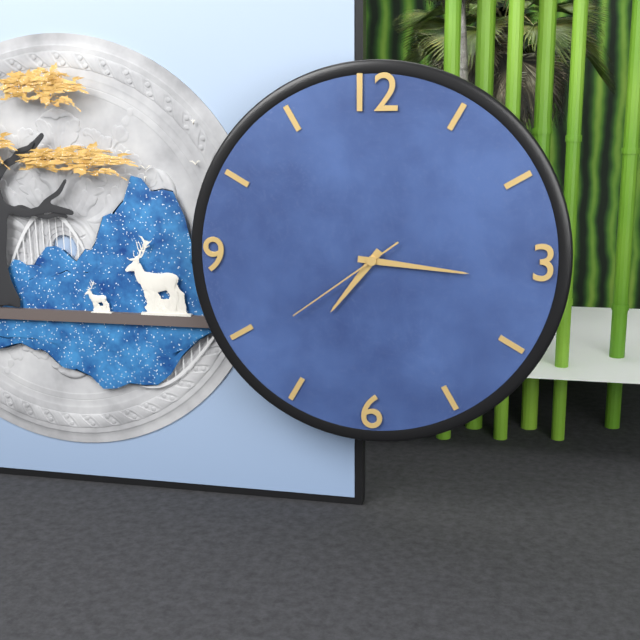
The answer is 7:16:39
